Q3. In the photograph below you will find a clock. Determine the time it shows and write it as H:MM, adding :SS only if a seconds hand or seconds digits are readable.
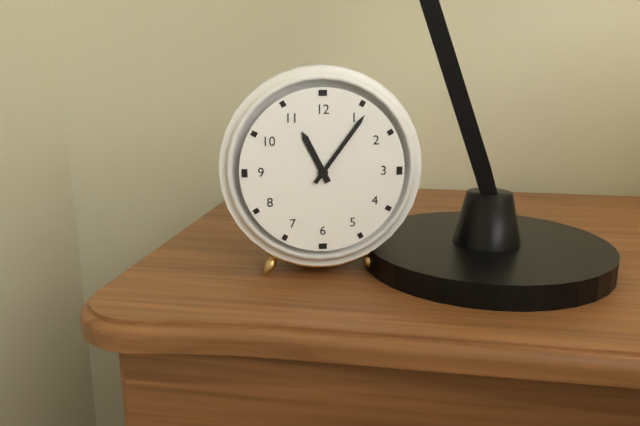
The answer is 11:06
